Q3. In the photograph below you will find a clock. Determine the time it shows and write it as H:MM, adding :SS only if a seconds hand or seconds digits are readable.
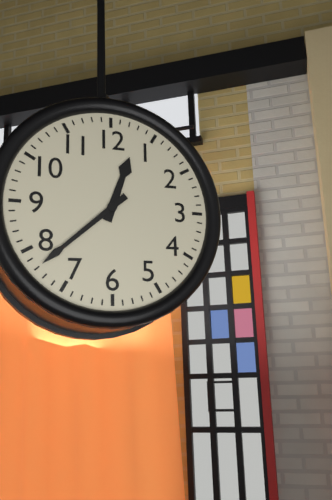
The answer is 12:38
